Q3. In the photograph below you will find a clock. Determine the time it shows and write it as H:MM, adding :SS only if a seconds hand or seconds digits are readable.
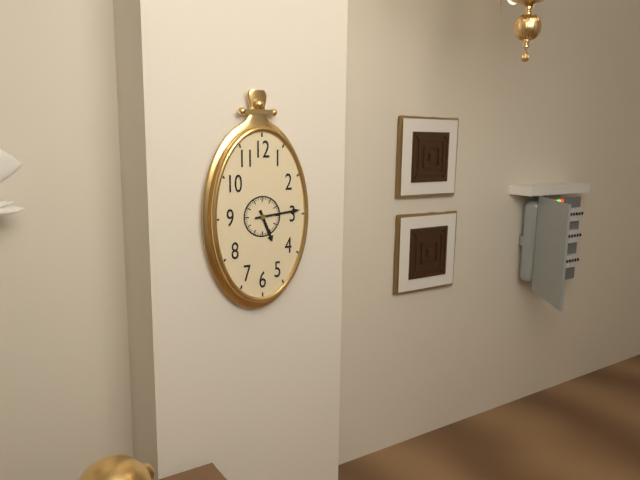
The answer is 5:14
